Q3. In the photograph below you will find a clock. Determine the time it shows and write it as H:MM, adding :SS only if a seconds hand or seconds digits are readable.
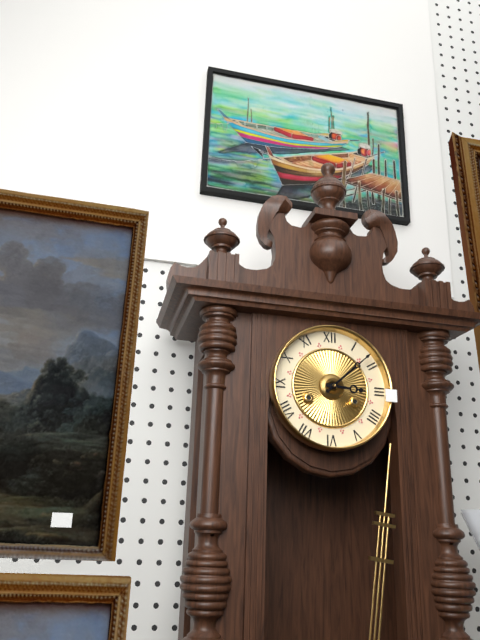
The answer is 3:08
